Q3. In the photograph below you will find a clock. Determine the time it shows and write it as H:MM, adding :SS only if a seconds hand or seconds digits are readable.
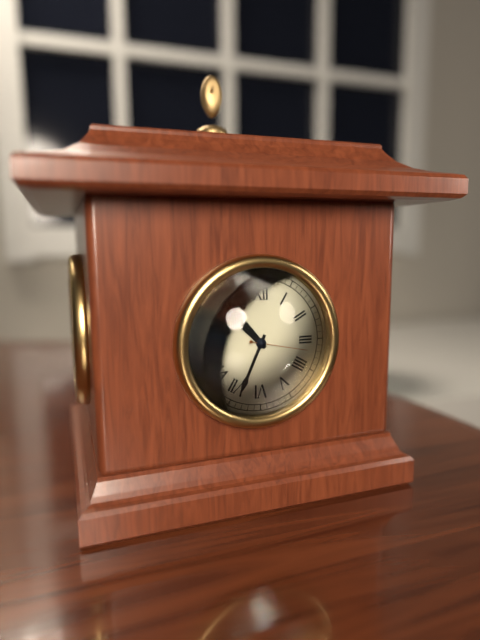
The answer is 10:34:17
